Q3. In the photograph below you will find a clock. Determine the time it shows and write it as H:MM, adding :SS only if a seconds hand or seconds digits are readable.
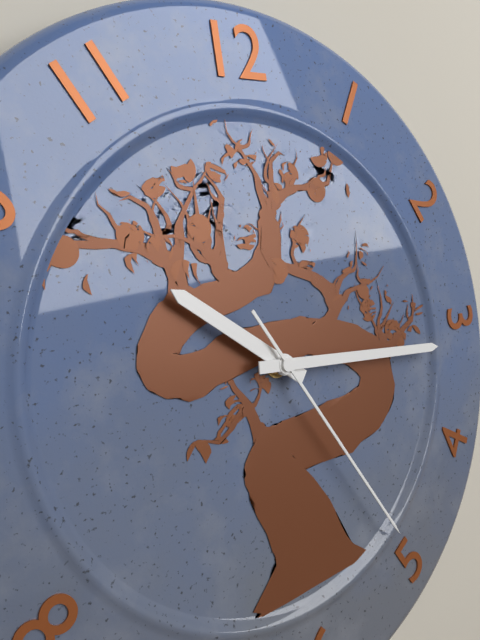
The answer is 10:16:25
